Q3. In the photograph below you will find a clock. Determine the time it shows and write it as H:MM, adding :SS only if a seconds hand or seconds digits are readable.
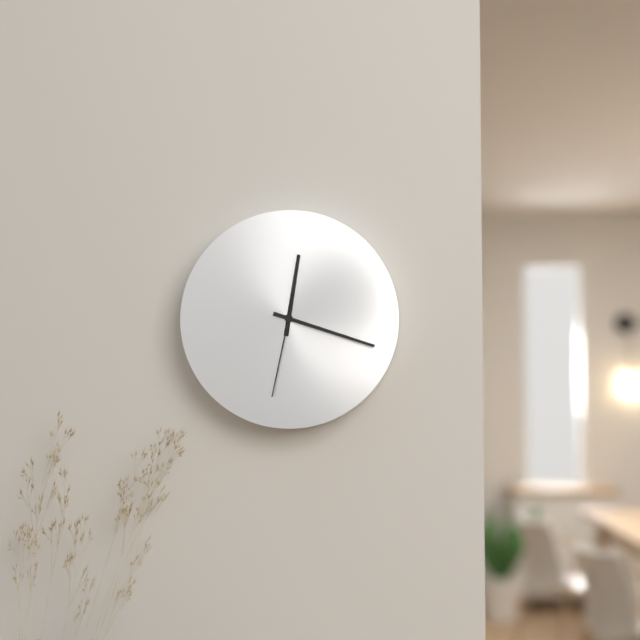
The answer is 12:18:32
